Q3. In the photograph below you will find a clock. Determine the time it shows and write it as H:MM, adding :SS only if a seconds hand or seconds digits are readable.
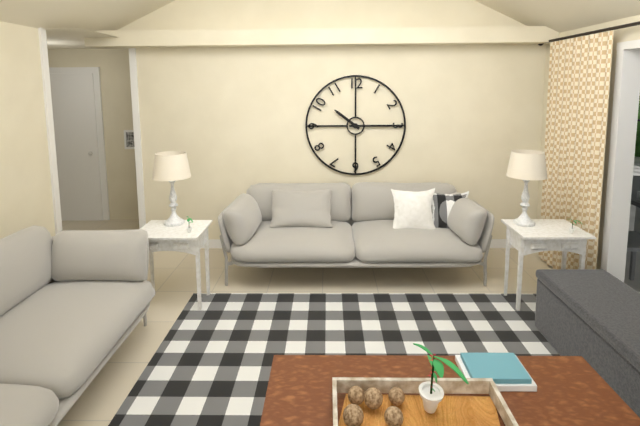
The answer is 10:15
